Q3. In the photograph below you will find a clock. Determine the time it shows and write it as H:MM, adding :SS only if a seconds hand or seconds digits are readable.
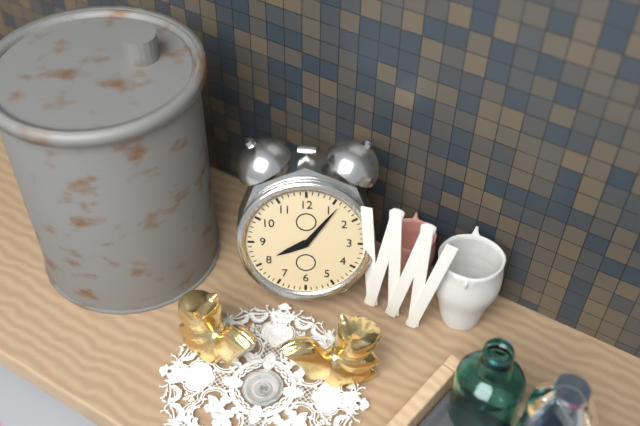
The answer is 8:06
